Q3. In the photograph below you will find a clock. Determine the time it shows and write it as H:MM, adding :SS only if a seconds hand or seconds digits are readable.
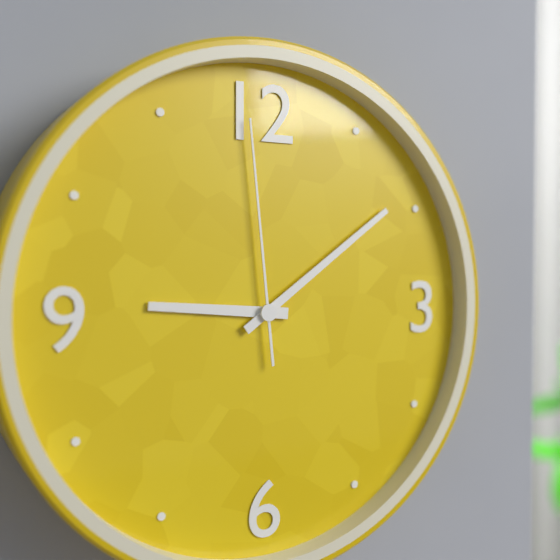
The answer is 9:09:59
